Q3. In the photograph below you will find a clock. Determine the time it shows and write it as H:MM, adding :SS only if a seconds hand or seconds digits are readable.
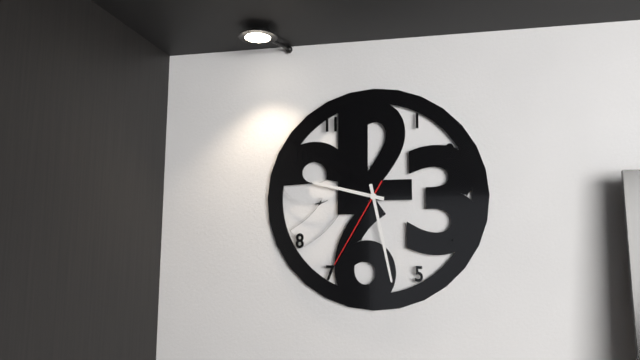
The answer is 9:28:35
